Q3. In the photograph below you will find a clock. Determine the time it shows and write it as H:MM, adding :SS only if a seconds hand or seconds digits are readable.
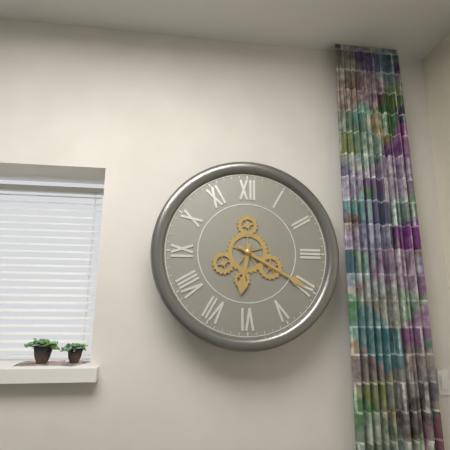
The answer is 6:20
